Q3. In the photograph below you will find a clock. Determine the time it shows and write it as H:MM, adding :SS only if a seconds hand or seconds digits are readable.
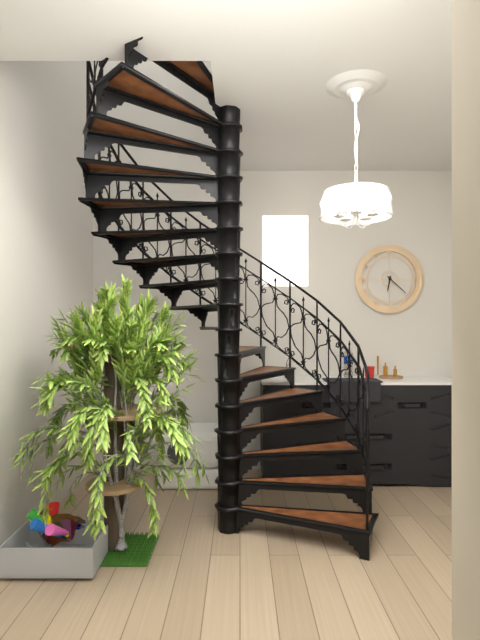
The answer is 6:22
